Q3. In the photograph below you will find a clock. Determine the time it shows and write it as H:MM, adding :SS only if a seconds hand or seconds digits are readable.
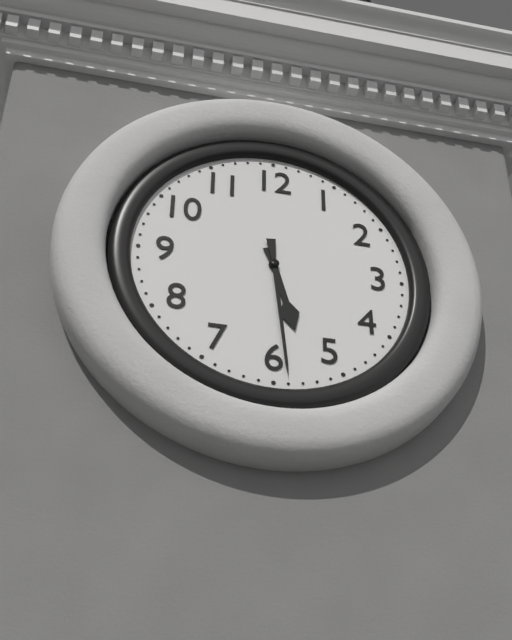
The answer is 5:29
